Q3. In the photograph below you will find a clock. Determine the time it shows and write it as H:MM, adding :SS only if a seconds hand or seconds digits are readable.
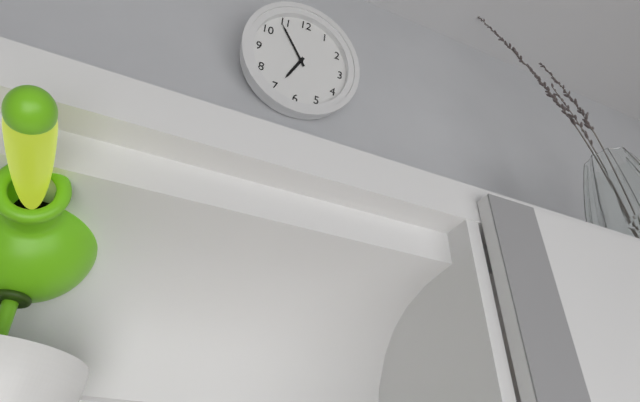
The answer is 6:54
